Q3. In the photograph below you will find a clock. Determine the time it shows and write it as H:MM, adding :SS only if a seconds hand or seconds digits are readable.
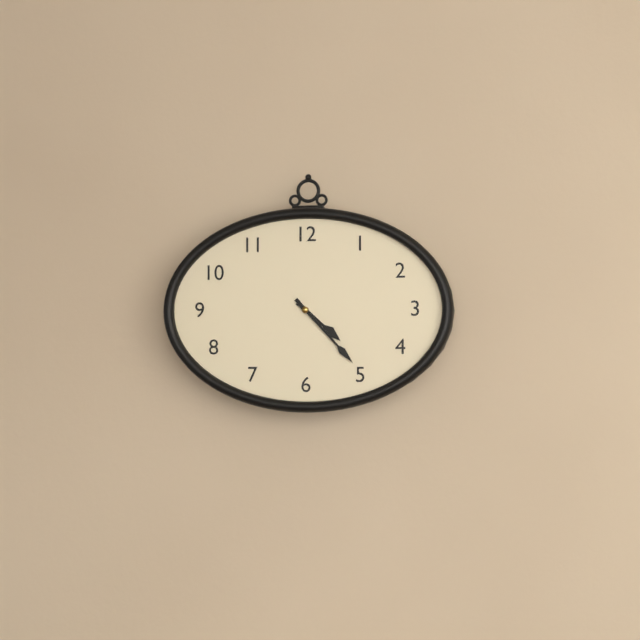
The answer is 4:23
